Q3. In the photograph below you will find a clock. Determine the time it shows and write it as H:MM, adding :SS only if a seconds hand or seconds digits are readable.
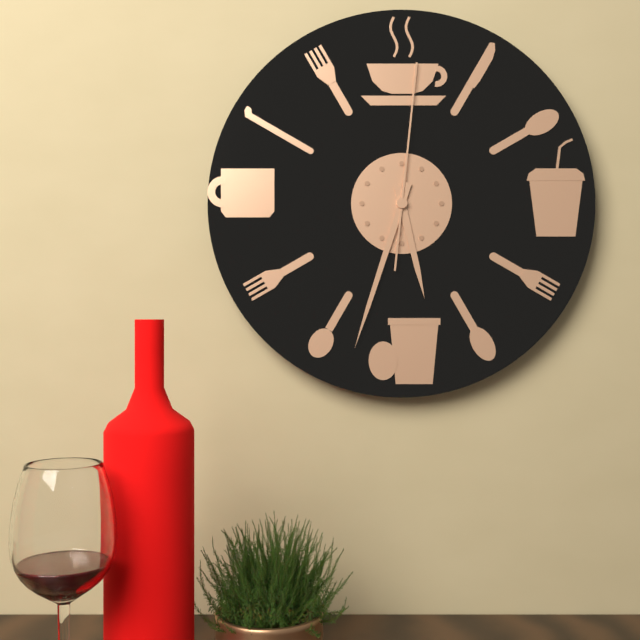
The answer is 5:33:01
